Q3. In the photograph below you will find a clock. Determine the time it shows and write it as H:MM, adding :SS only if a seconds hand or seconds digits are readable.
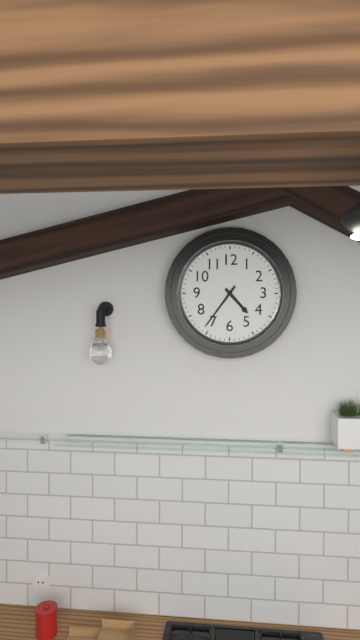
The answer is 4:36
